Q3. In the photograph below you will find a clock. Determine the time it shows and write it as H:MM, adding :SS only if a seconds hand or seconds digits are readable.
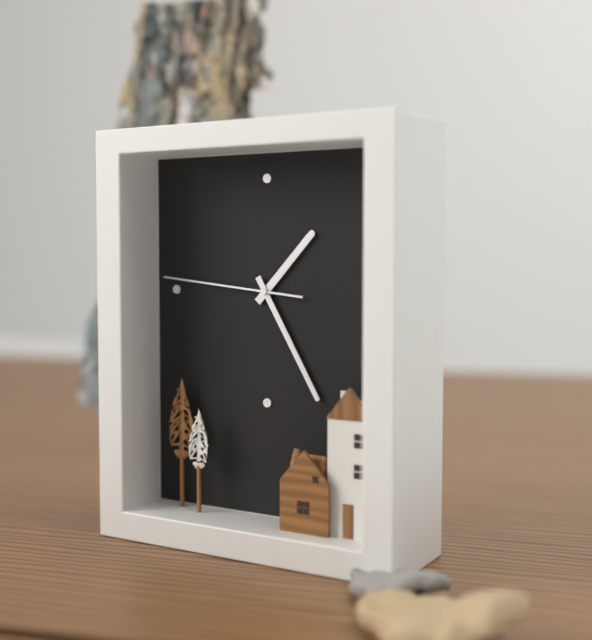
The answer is 1:25:46
